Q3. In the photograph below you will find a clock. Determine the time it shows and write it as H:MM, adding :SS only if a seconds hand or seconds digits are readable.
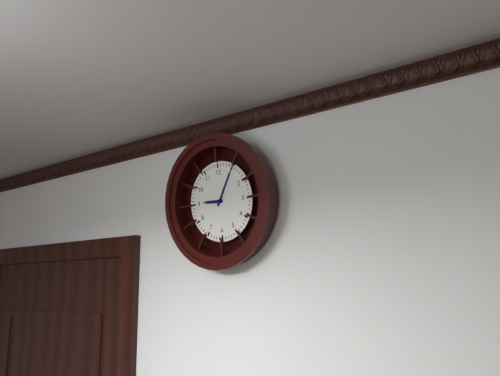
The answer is 9:05
